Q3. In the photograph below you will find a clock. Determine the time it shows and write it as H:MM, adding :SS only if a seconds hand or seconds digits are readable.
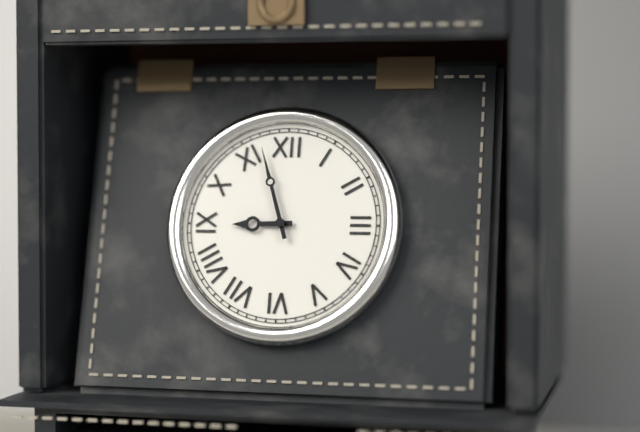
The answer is 8:57
